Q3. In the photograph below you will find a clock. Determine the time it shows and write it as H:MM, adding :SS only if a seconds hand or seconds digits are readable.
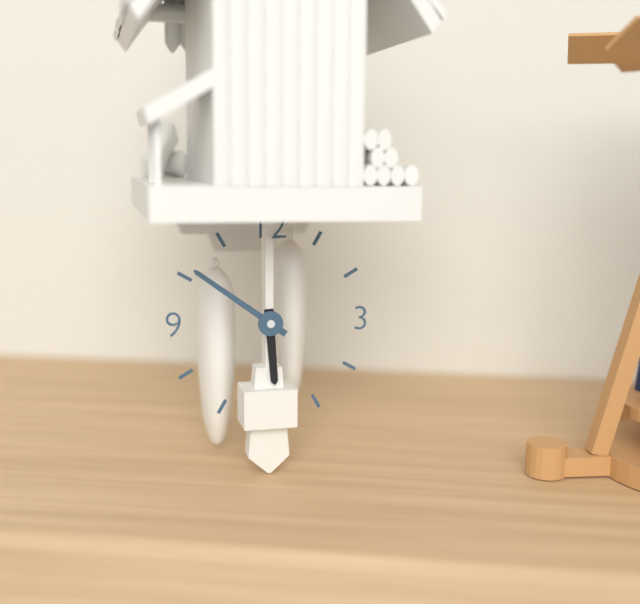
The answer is 5:51
